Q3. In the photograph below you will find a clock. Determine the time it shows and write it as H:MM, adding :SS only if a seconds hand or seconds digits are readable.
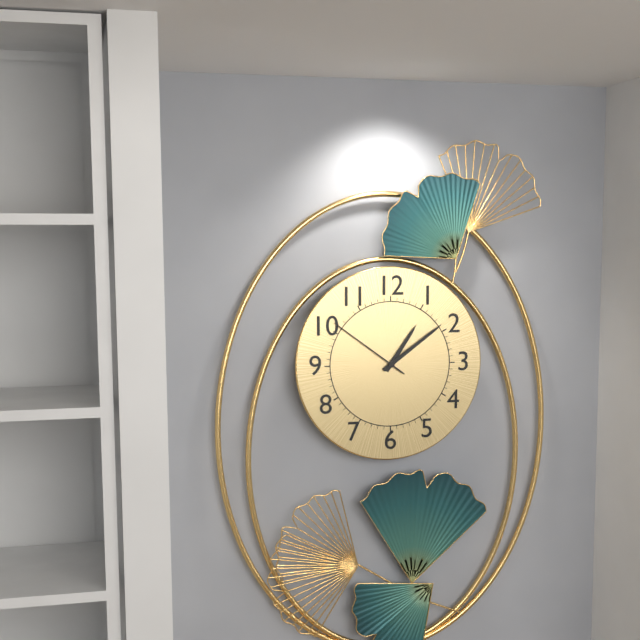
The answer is 1:09:51
